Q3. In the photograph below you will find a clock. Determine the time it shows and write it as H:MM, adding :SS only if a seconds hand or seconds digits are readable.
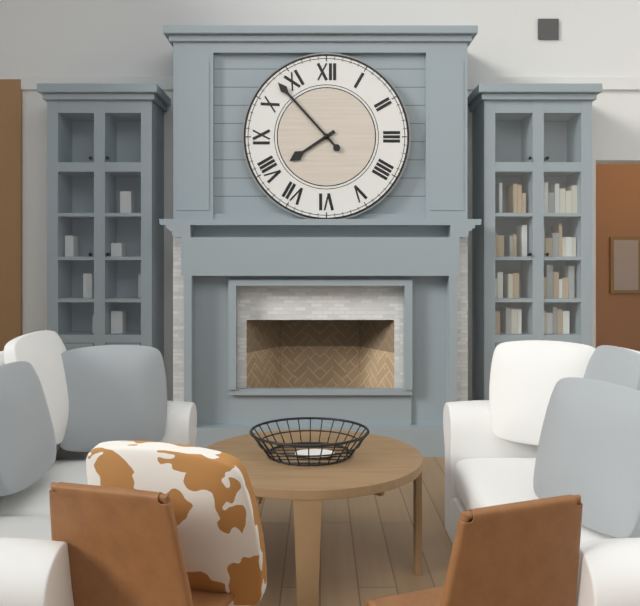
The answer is 7:53
